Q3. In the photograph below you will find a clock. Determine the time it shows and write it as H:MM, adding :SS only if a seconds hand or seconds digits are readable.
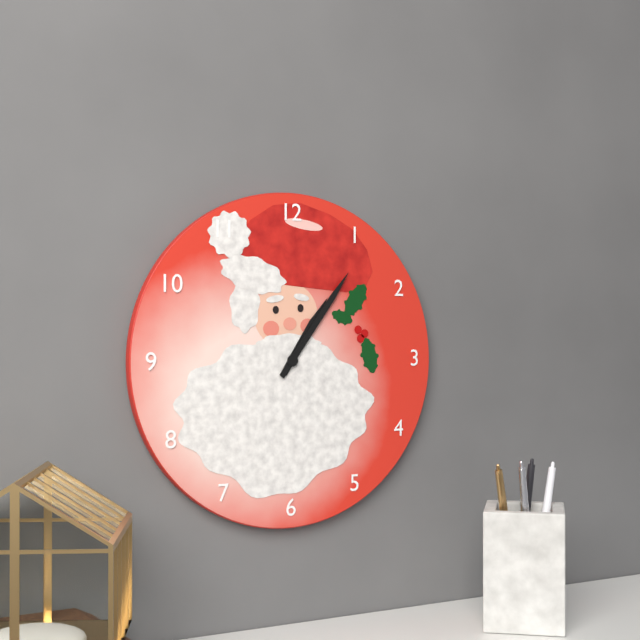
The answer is 1:06
